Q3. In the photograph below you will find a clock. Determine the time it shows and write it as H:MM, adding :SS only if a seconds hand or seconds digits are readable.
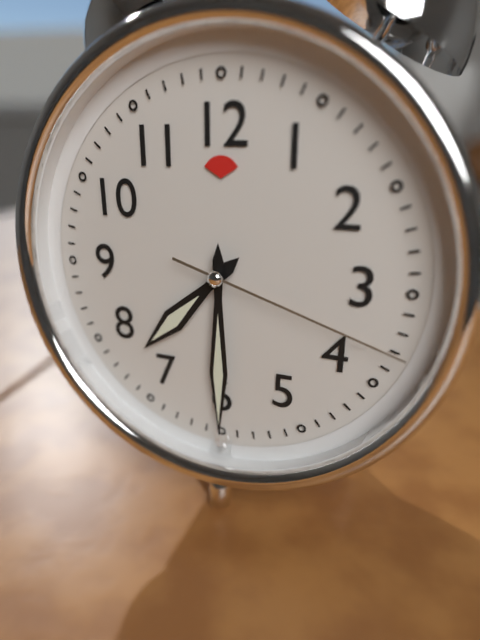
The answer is 7:30:18
